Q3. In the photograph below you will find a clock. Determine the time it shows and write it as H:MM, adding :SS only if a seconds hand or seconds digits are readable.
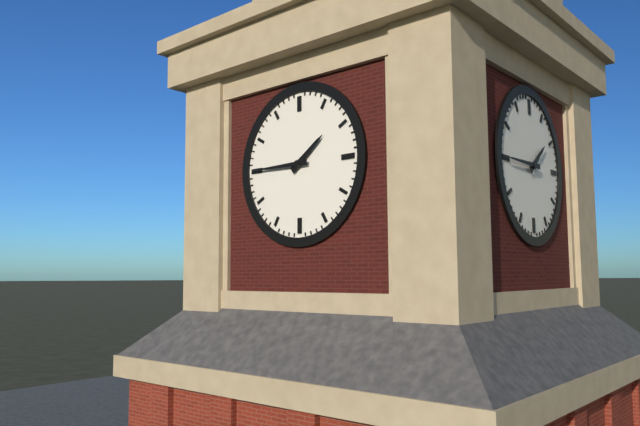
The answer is 1:45
